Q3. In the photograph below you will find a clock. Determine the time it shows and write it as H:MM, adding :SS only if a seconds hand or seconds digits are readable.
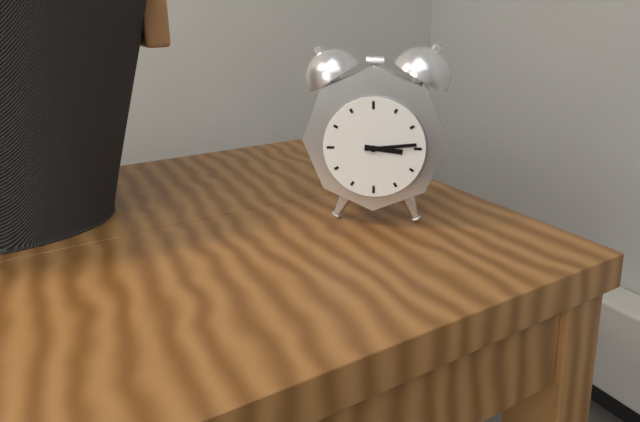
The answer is 3:14
